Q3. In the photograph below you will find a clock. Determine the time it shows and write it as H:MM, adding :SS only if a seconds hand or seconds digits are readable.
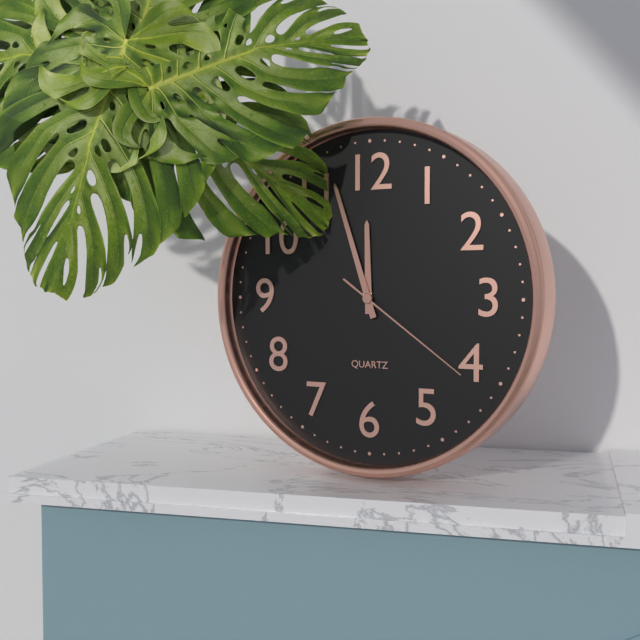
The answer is 11:57:21
